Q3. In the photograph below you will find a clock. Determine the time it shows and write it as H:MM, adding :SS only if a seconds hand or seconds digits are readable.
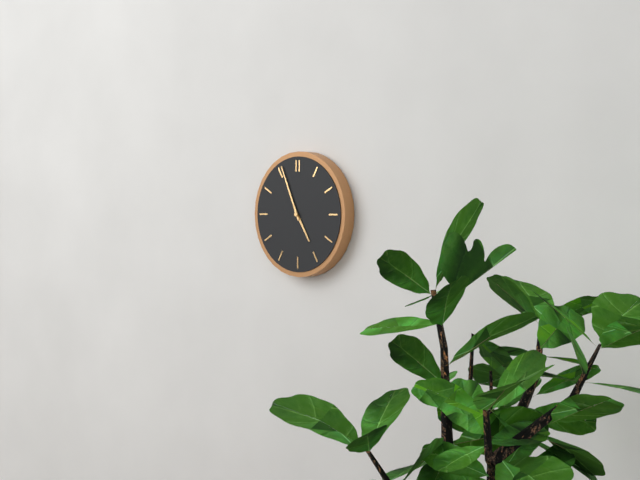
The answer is 4:56
